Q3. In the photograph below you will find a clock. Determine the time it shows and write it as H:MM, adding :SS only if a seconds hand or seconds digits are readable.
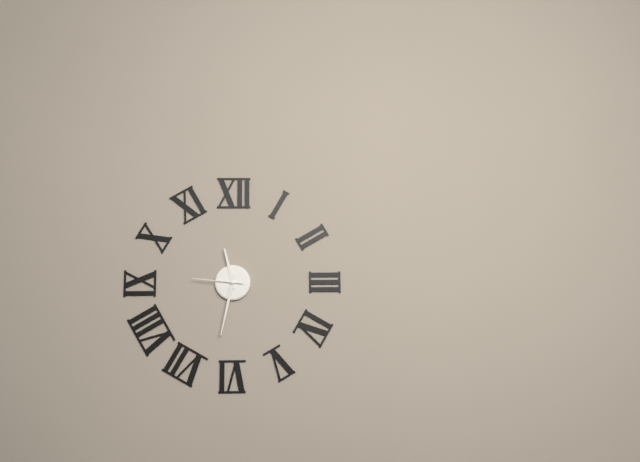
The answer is 11:32:46
